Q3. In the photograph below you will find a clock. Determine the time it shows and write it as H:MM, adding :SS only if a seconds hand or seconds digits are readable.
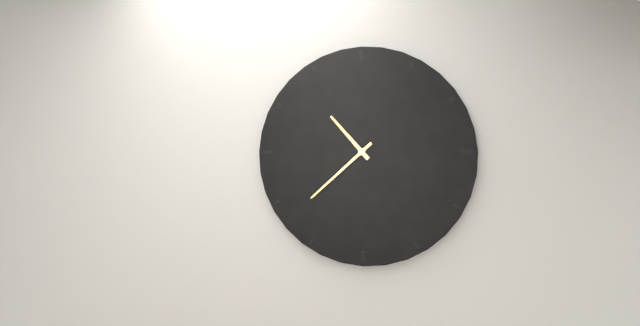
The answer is 10:38
